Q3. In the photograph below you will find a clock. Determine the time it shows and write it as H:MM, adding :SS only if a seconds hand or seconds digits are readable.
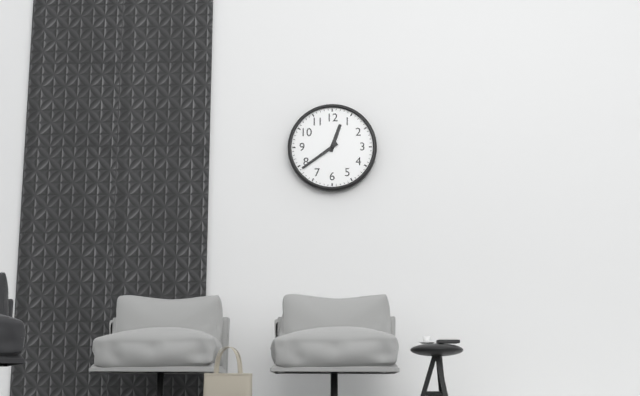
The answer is 12:39
